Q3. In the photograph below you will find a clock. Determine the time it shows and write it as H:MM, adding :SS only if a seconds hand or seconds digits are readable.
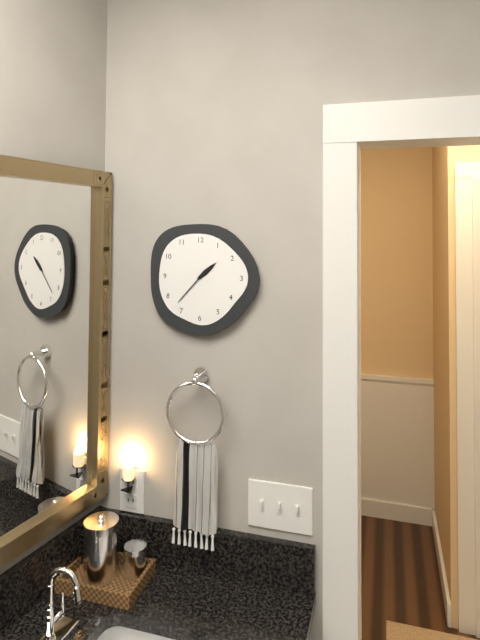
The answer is 1:37
